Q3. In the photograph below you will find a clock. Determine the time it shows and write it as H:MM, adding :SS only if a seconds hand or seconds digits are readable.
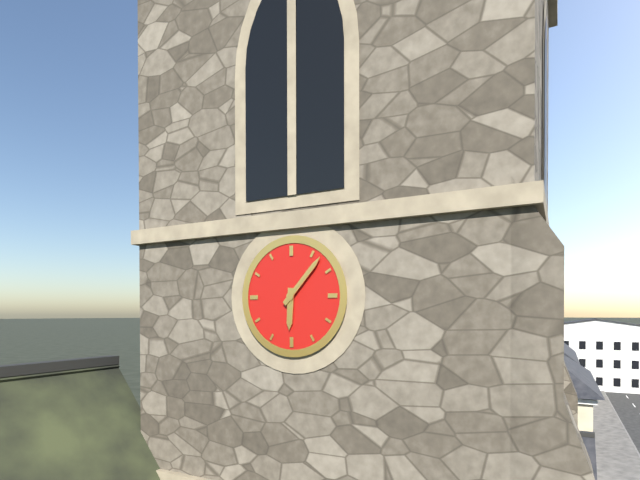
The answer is 6:07
